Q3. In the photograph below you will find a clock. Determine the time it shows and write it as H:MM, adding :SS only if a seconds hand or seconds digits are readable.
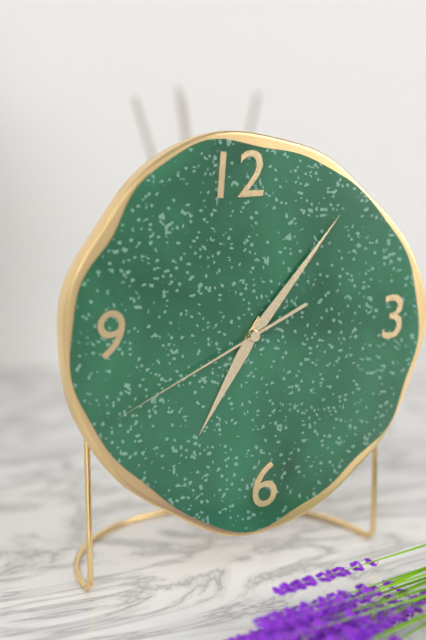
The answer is 7:07:41
